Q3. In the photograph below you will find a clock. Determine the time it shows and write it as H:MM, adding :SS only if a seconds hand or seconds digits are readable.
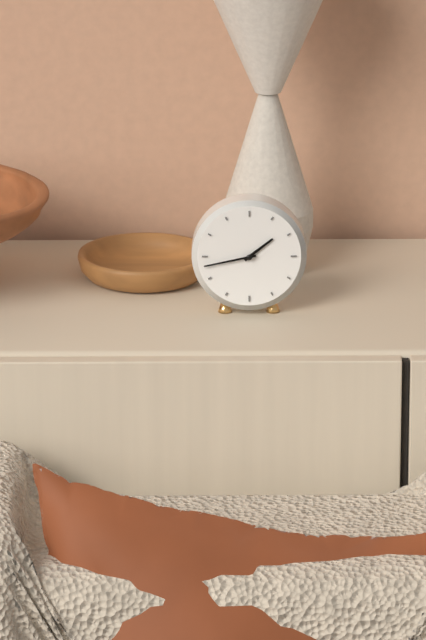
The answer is 1:43
